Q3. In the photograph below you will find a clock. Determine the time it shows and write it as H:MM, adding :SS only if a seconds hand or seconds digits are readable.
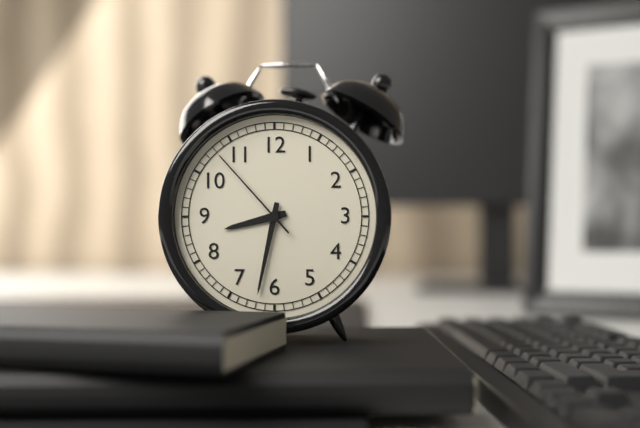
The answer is 8:32:53
